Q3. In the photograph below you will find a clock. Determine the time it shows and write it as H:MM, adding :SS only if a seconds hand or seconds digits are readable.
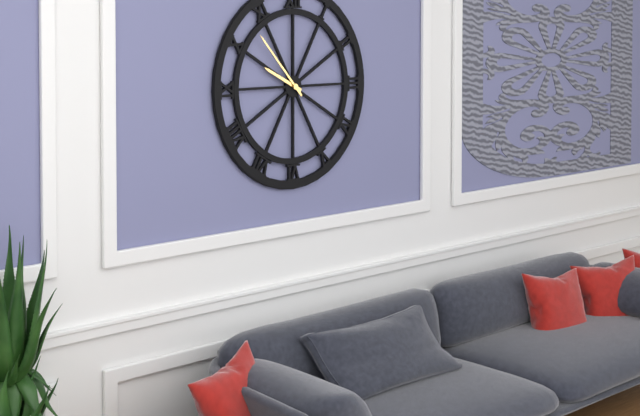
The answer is 9:53
